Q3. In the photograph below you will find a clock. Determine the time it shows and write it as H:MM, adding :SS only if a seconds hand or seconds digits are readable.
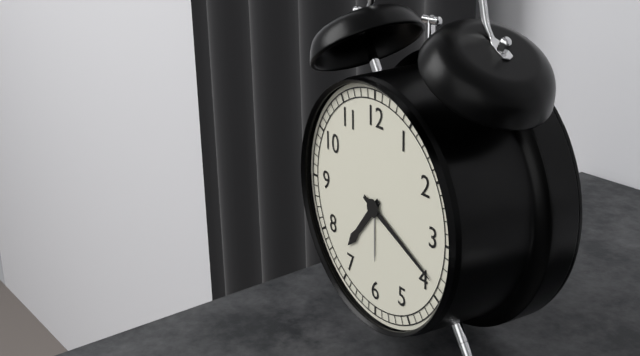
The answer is 7:19
